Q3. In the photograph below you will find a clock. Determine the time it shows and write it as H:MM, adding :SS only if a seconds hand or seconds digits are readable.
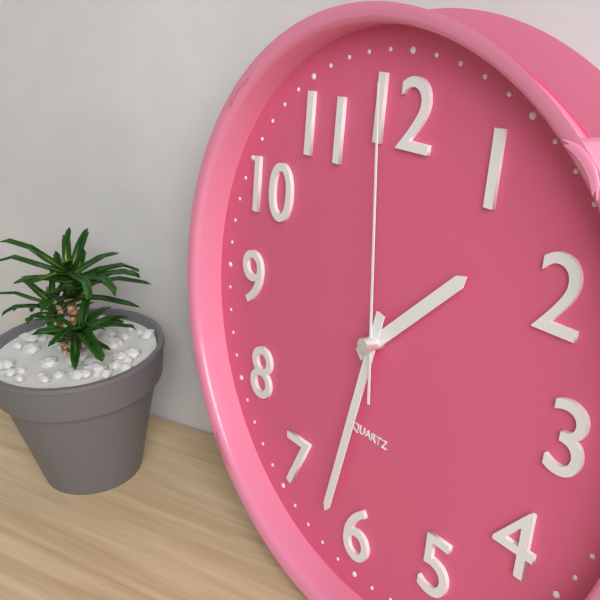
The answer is 1:32:59
